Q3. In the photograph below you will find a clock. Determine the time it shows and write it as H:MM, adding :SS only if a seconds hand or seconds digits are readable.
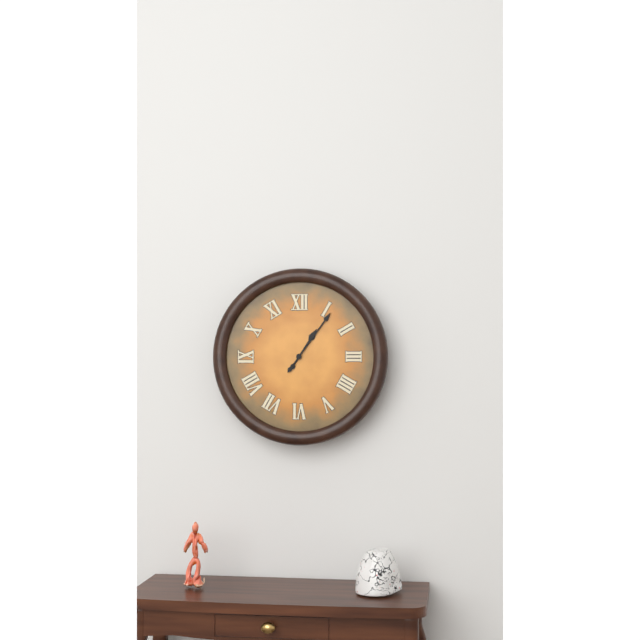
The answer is 1:06
